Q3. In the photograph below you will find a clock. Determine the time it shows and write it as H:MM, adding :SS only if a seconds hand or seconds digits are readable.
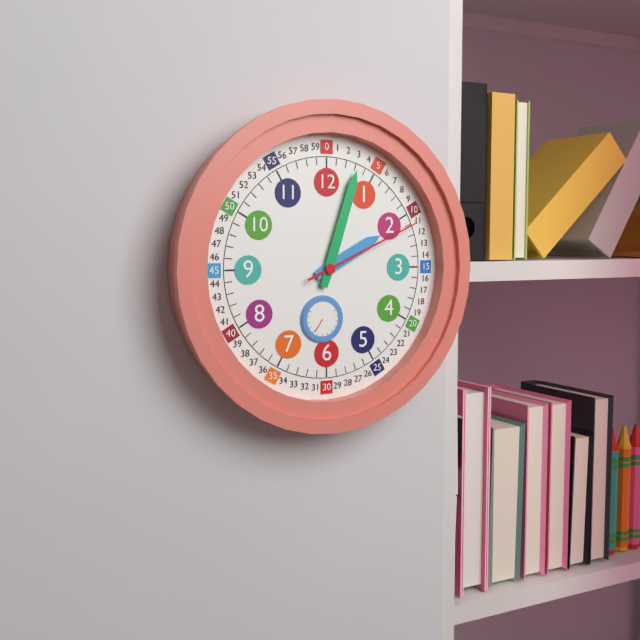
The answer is 2:03:11
